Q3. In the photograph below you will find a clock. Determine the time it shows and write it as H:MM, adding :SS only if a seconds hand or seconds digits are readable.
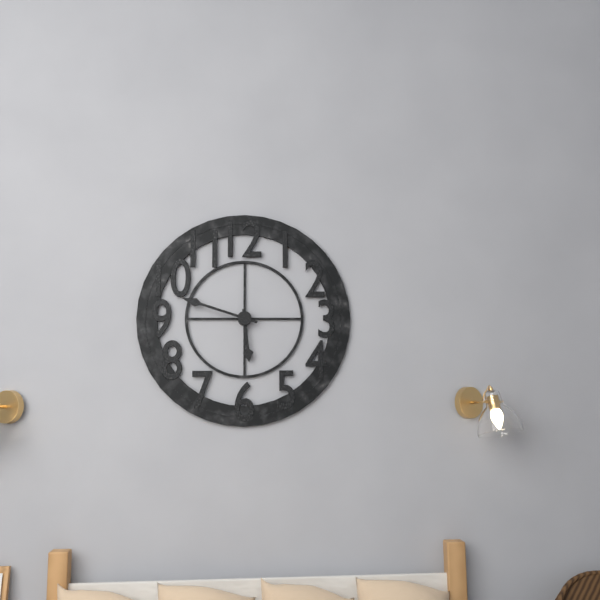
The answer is 5:48
